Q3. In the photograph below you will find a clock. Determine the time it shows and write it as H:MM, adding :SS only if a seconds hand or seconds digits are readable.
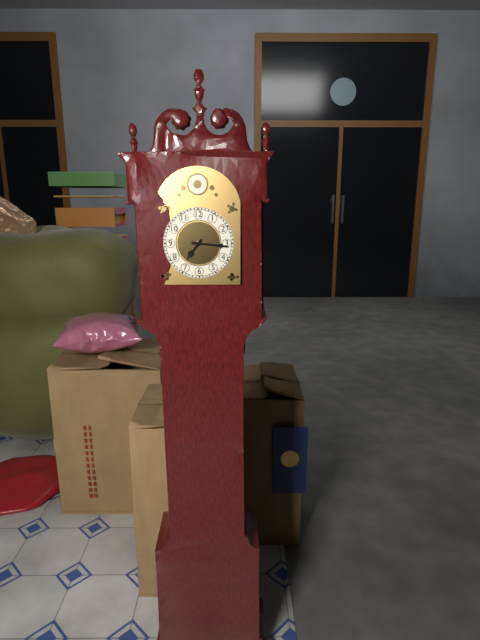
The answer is 7:16
